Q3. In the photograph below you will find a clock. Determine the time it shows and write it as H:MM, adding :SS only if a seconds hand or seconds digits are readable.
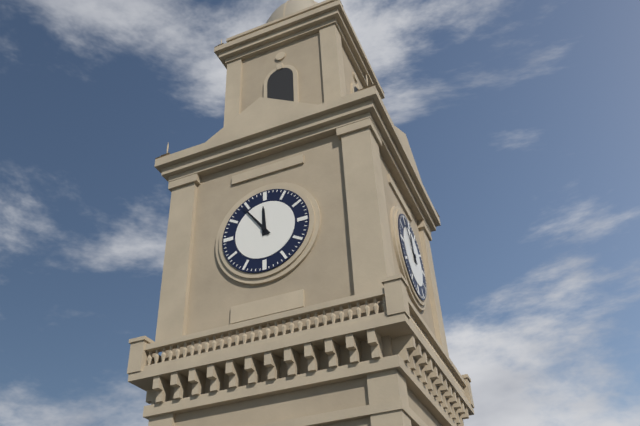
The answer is 11:54
